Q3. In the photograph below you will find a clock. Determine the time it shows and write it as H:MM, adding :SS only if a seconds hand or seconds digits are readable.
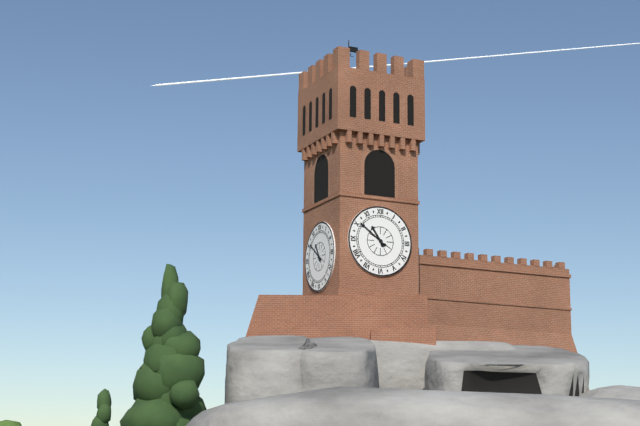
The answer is 10:51
